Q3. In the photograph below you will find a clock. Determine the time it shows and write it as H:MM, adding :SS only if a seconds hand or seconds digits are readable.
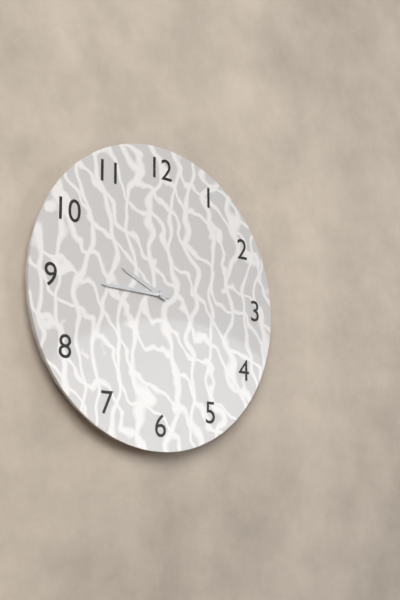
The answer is 9:45
